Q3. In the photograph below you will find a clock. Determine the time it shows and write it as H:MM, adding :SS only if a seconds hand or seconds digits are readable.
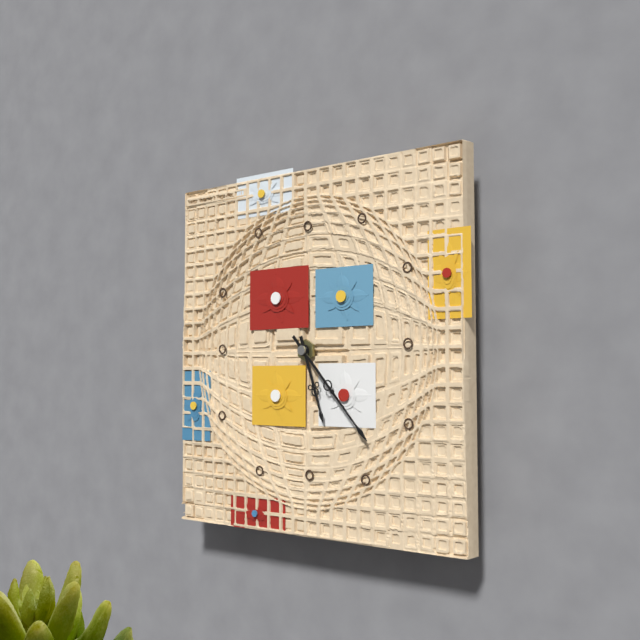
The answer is 5:23
